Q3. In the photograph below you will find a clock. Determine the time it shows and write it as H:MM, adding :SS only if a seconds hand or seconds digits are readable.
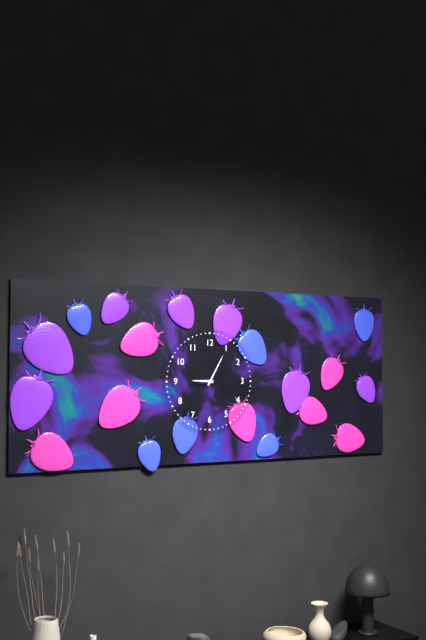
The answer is 9:05
